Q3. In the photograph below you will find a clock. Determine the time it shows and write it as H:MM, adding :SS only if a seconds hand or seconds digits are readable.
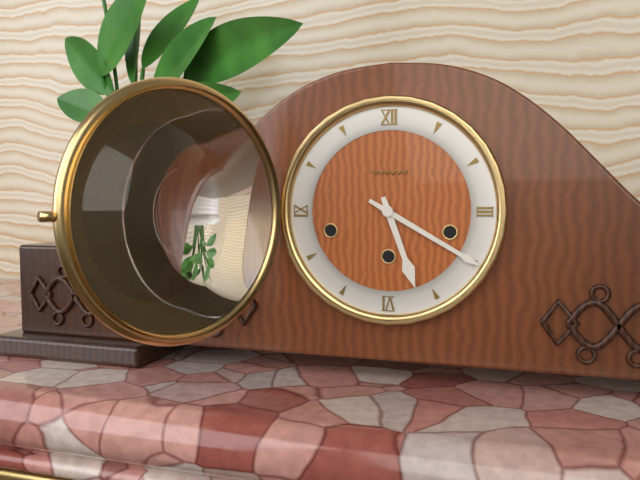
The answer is 5:20
